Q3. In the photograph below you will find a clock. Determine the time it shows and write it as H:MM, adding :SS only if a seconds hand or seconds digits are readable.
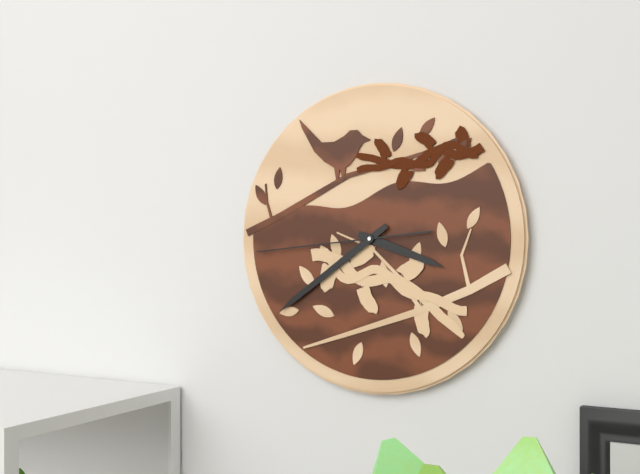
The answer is 3:39:44
